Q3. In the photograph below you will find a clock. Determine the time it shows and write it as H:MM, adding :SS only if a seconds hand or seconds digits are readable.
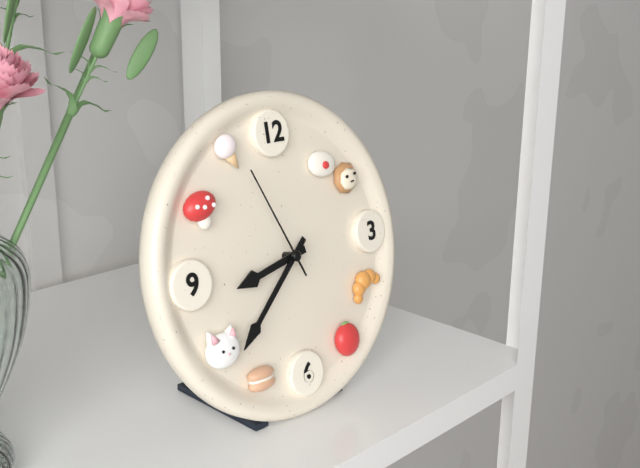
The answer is 8:38:56
